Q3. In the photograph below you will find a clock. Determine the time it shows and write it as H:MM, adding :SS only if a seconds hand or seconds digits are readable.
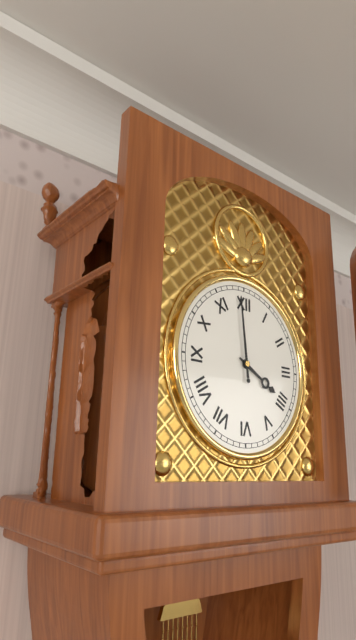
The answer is 3:59
